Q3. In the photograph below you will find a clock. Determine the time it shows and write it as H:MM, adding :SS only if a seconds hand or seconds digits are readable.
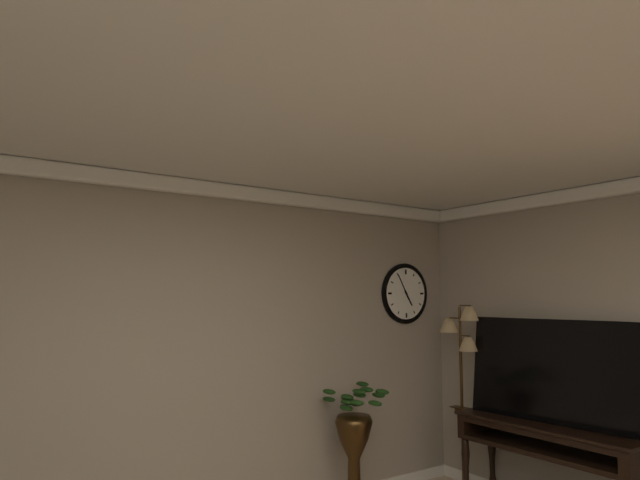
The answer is 4:55
